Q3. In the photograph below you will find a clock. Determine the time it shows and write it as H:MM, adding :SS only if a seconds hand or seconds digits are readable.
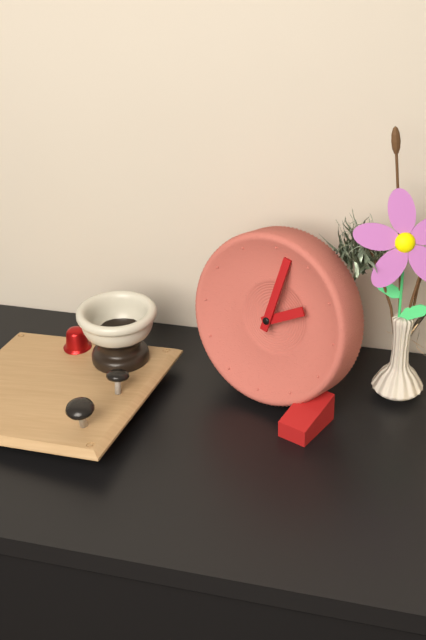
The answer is 2:02
